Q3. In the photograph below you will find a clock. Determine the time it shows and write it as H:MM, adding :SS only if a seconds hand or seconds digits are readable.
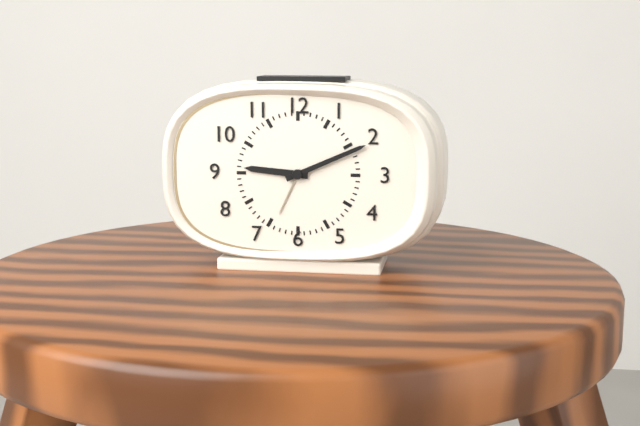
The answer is 9:11
